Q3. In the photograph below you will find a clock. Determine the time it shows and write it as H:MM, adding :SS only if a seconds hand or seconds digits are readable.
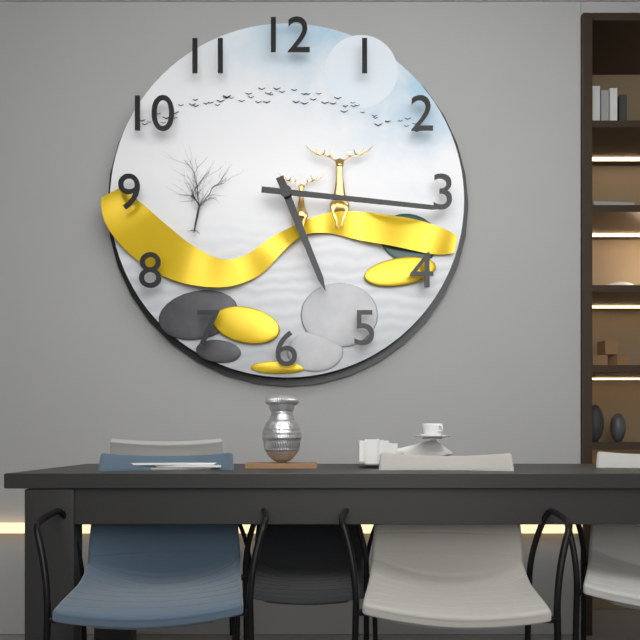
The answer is 5:16
